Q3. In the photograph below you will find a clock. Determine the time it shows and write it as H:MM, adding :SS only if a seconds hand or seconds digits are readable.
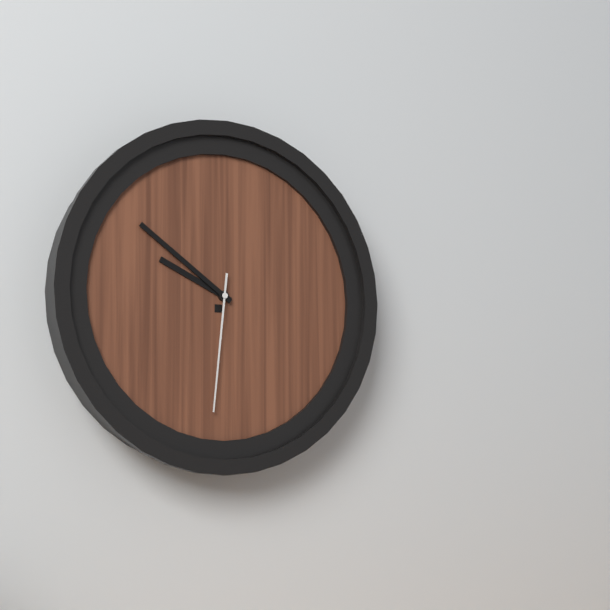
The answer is 9:51:31
